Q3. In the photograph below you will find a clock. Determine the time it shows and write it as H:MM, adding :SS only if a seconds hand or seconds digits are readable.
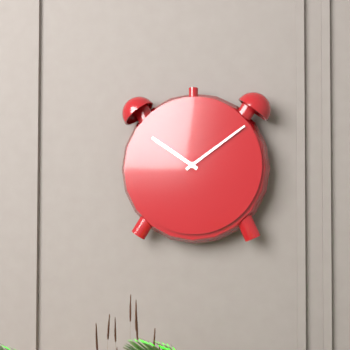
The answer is 10:09
